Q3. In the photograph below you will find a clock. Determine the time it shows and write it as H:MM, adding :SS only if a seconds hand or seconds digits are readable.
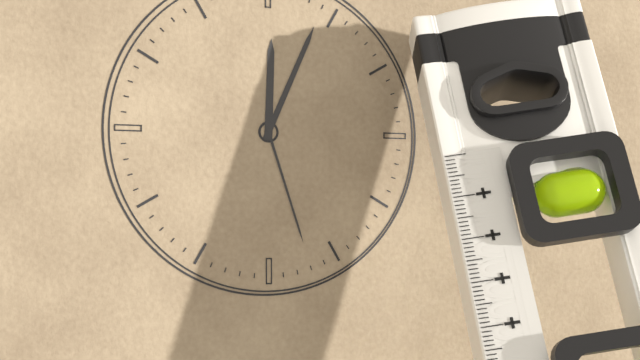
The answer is 12:04:27
